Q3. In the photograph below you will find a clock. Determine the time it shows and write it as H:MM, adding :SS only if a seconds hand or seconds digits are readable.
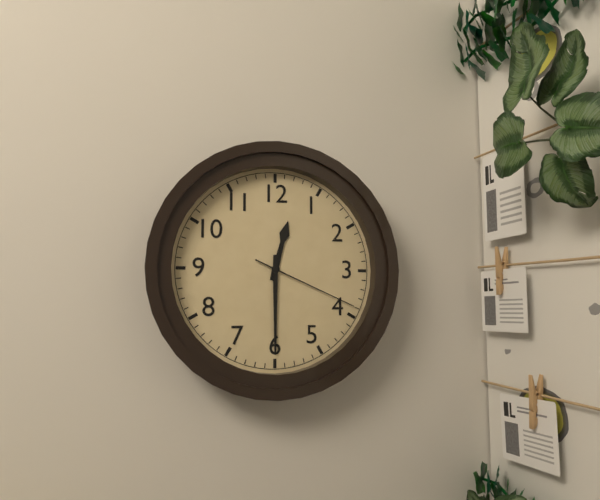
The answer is 12:30:19
